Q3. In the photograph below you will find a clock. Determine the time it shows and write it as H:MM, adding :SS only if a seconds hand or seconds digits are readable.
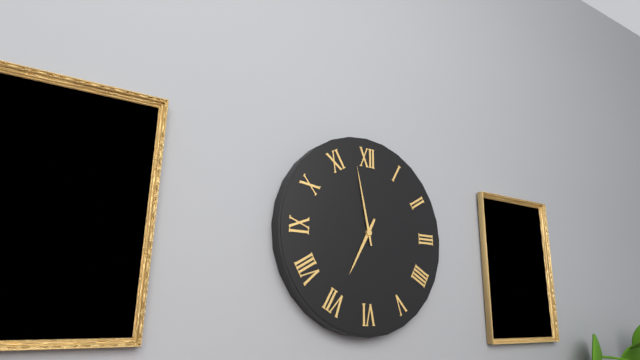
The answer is 6:58
